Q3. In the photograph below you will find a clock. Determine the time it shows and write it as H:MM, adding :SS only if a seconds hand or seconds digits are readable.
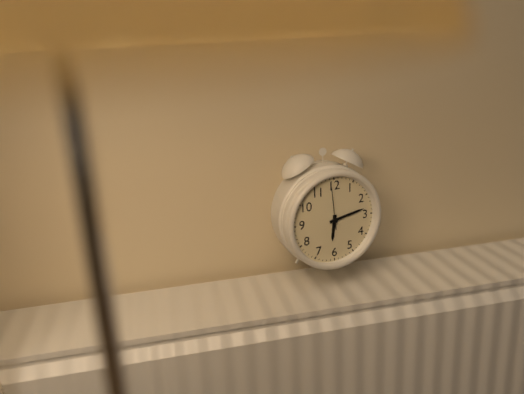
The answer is 6:13
